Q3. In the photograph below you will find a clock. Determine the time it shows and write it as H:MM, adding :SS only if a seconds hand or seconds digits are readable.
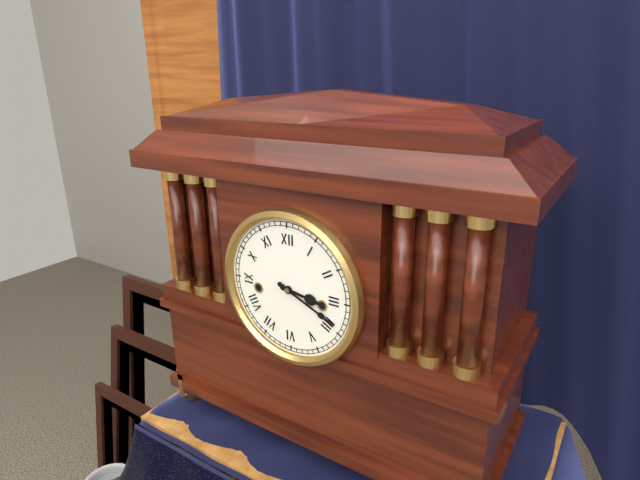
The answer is 3:19
